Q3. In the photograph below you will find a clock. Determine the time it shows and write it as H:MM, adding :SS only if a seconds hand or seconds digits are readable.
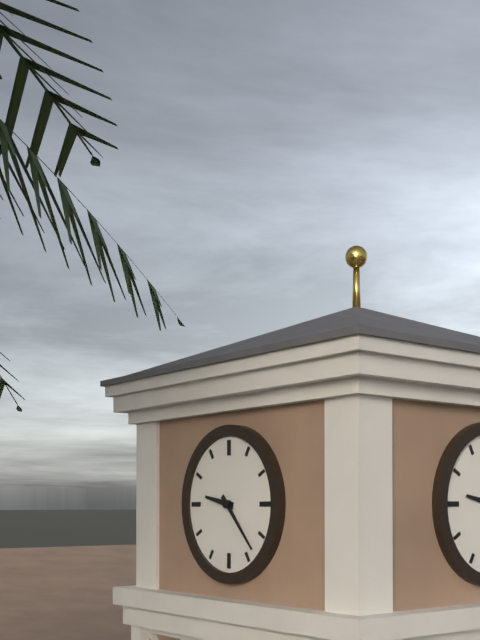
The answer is 9:23
